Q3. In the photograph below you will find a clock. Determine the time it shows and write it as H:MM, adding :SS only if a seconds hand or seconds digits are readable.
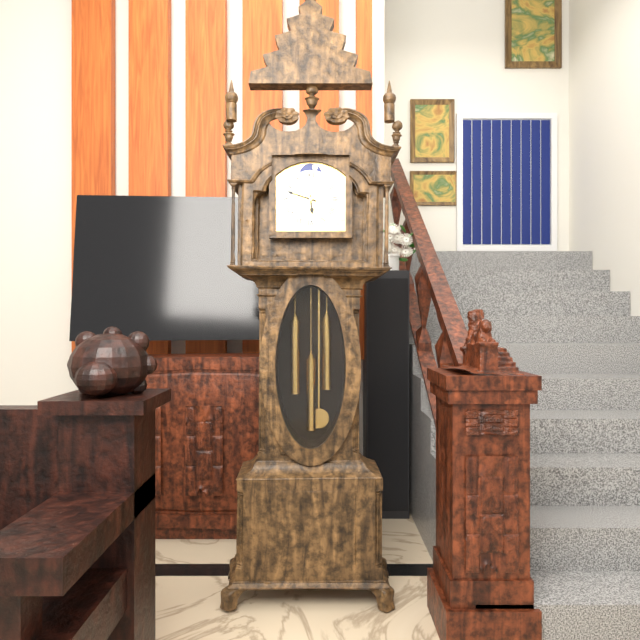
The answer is 5:48
